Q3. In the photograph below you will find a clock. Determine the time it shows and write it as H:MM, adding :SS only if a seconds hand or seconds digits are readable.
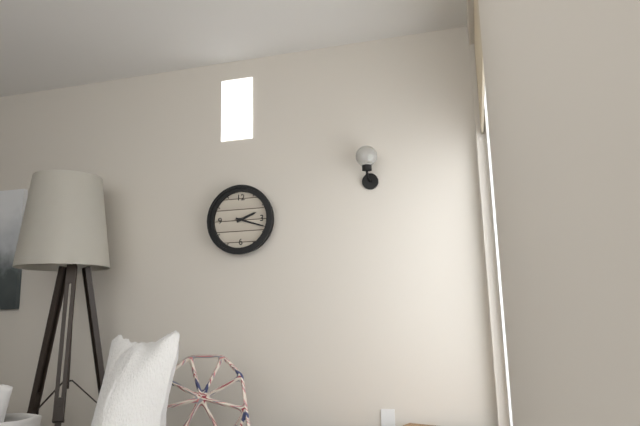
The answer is 2:18
